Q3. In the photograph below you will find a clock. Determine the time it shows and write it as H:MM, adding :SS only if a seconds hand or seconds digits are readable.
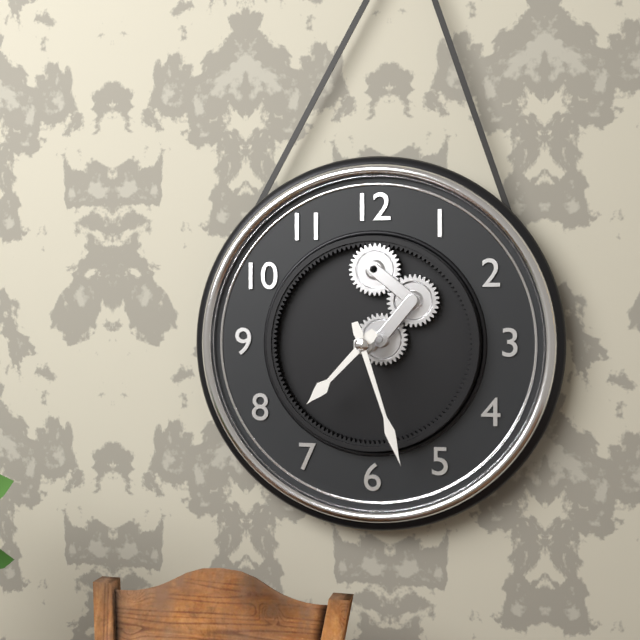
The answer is 7:27
